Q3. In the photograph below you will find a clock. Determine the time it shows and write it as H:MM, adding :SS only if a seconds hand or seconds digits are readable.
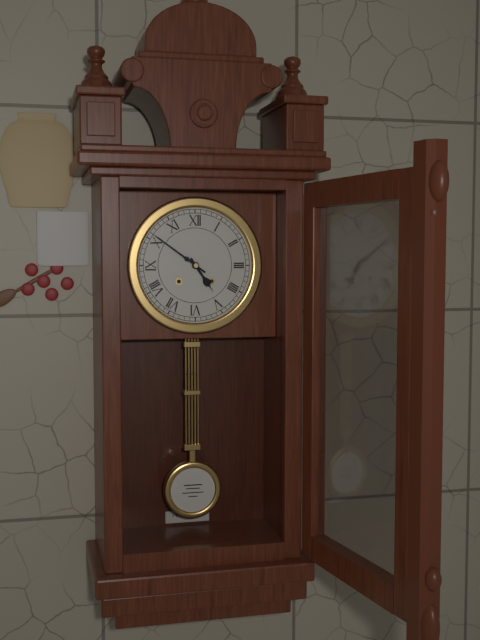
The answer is 4:51
